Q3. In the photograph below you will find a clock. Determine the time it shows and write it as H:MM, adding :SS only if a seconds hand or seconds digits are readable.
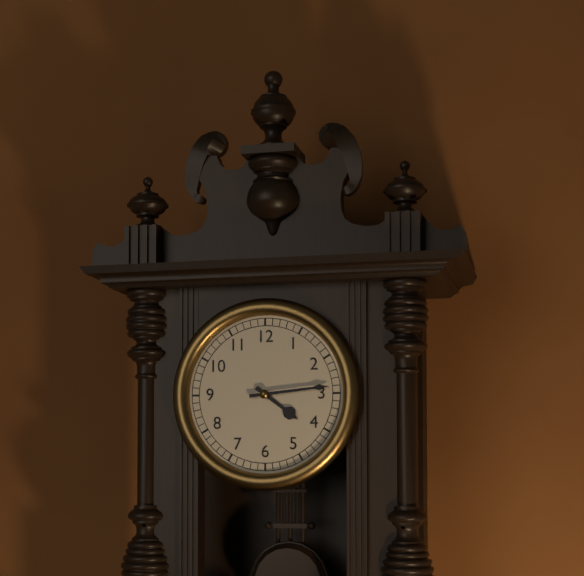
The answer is 4:14
